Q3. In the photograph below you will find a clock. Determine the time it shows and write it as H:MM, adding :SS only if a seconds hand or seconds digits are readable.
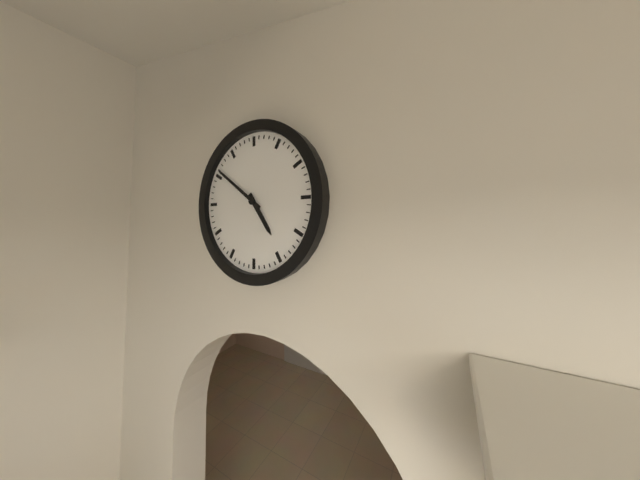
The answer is 4:51
